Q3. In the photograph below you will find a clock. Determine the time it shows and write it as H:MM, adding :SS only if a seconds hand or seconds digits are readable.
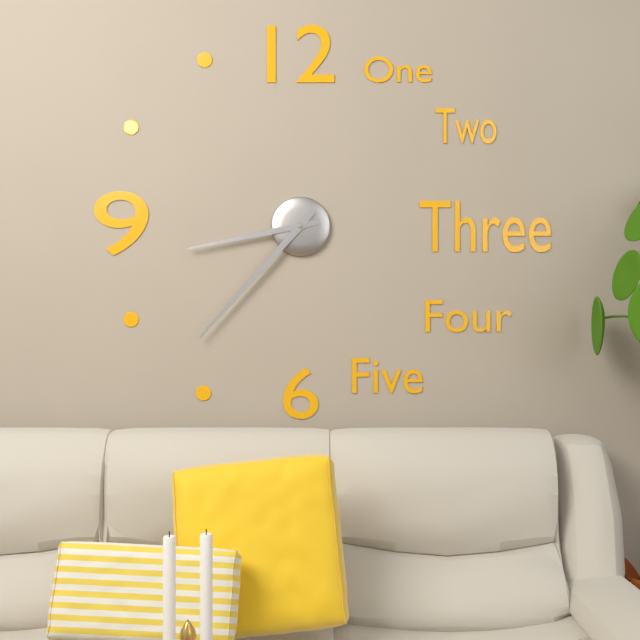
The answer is 8:37
